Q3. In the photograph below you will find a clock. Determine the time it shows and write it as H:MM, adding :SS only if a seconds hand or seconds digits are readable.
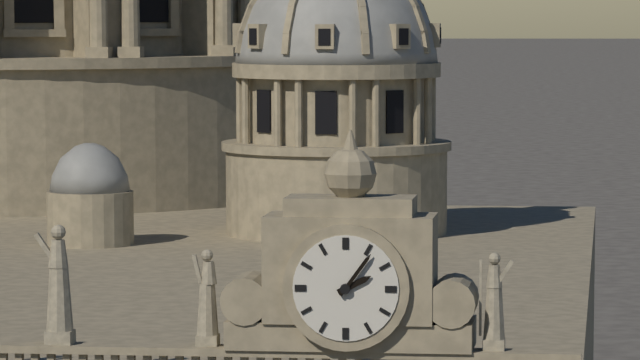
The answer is 2:06
